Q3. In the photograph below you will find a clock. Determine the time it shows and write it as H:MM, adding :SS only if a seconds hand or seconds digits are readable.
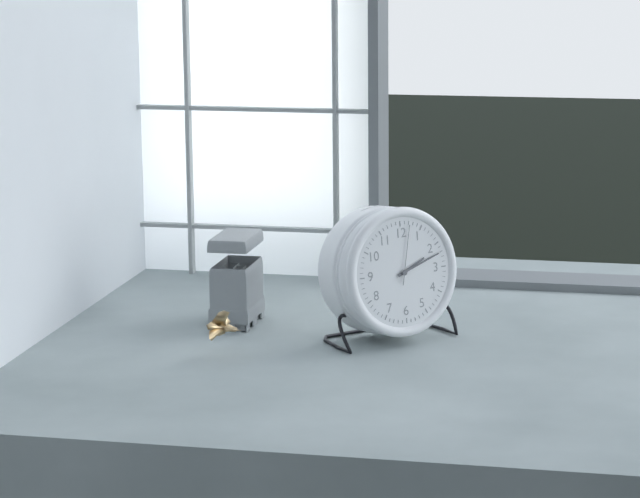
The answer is 2:12:02
